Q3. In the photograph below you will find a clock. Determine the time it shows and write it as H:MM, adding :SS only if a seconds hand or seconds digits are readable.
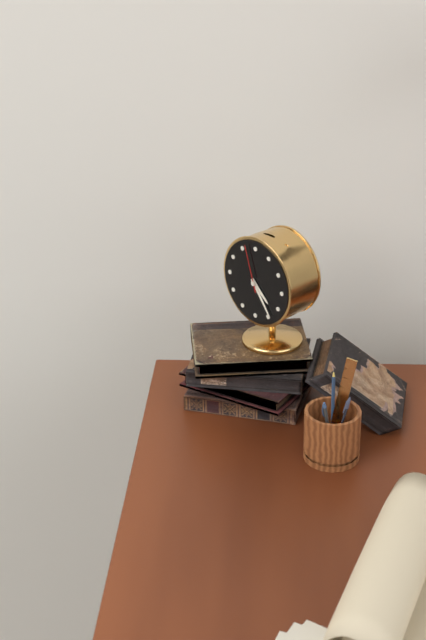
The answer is 4:24
